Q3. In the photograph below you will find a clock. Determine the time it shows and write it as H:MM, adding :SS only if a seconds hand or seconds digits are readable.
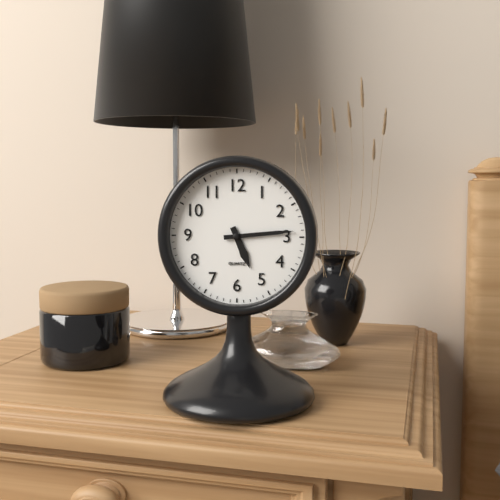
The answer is 5:14
